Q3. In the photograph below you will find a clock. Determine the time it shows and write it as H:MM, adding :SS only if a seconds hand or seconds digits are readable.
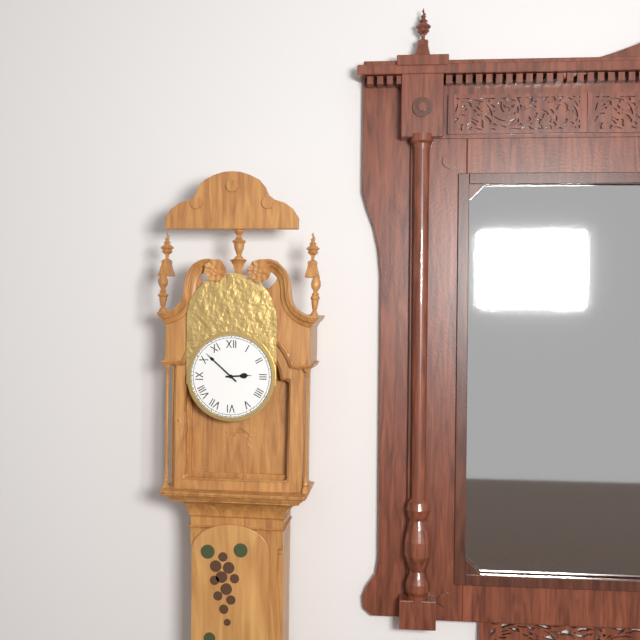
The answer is 2:52
